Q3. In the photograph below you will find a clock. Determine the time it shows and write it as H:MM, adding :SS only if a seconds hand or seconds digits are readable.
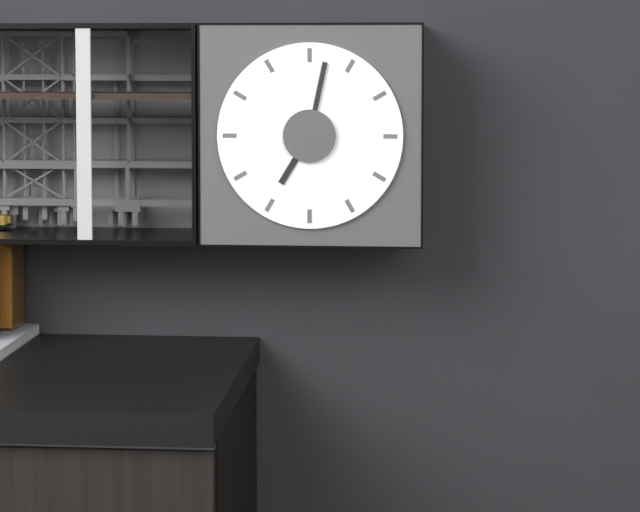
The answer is 7:02
